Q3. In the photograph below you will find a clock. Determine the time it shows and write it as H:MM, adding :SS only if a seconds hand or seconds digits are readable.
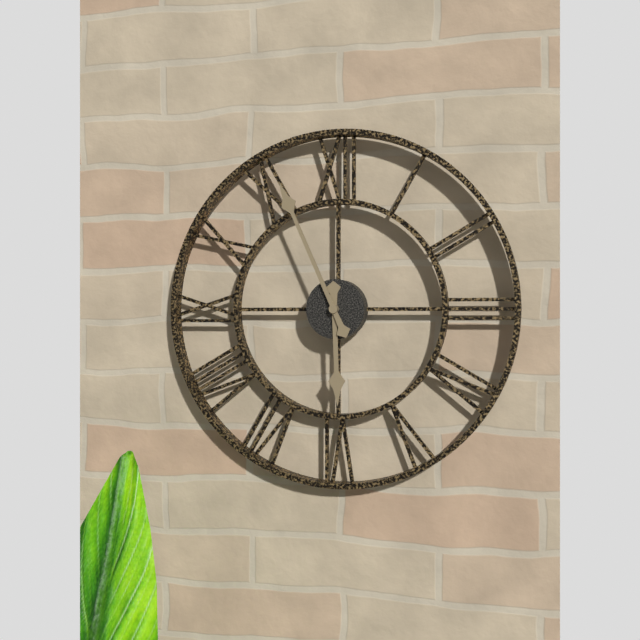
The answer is 5:56
